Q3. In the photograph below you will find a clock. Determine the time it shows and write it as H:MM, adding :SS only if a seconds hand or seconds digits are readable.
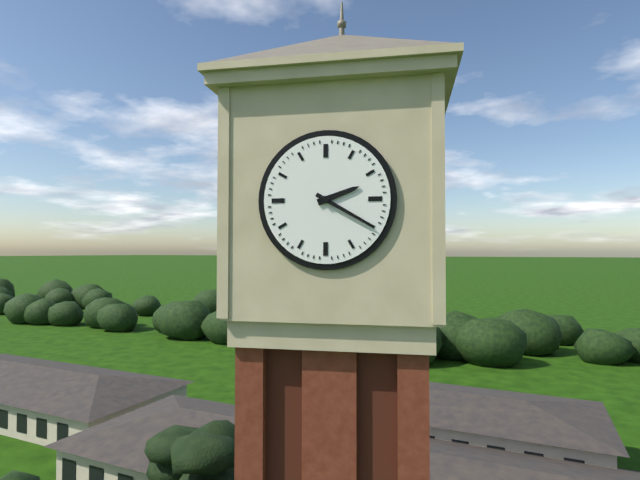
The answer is 2:20
